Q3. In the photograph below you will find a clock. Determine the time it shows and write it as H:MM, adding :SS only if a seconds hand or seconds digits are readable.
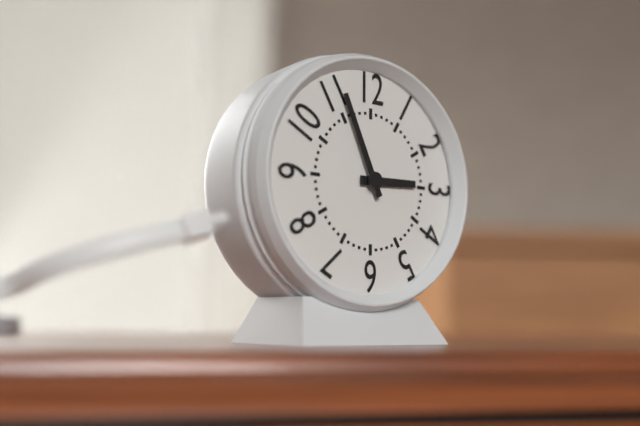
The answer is 2:56
